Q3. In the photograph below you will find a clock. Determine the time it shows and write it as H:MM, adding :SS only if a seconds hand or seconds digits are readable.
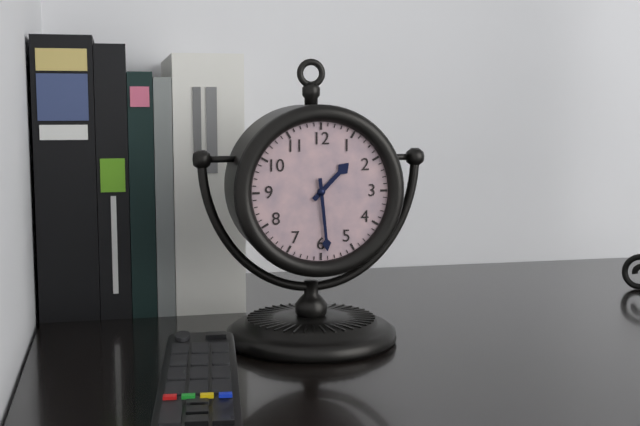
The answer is 1:29
